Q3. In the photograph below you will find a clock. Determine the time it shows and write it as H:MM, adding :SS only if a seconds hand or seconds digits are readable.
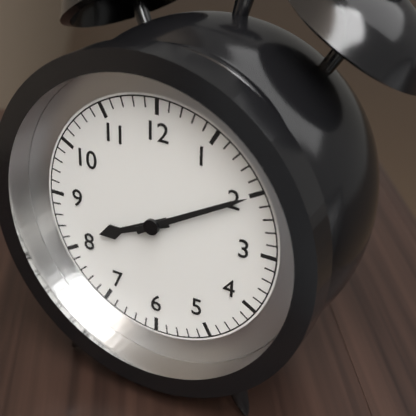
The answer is 8:10
